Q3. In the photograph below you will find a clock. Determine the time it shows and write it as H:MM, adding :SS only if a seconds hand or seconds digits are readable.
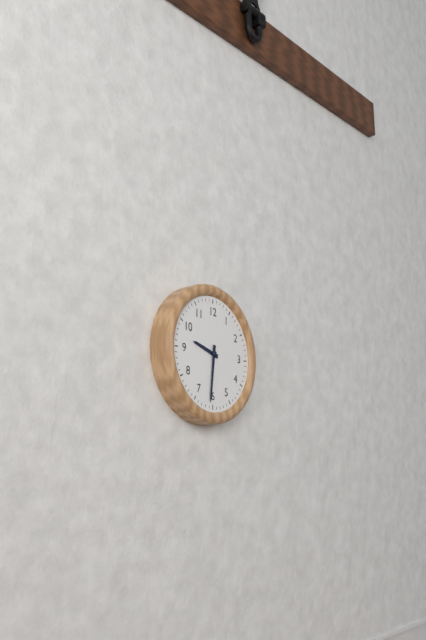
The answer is 9:31
